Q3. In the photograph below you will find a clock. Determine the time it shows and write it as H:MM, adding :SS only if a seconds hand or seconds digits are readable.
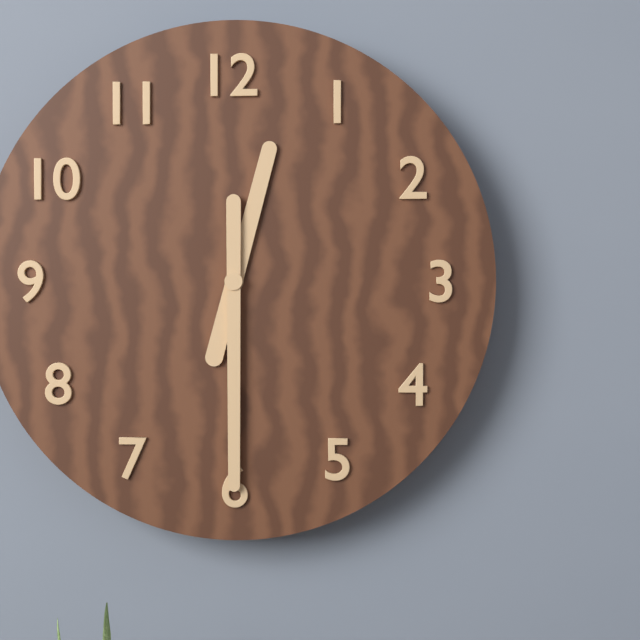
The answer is 12:30
